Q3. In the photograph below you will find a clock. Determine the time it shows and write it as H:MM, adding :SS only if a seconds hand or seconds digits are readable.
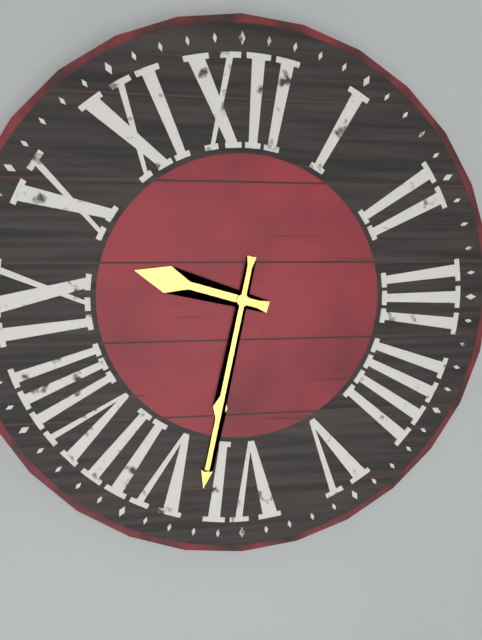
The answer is 9:32
